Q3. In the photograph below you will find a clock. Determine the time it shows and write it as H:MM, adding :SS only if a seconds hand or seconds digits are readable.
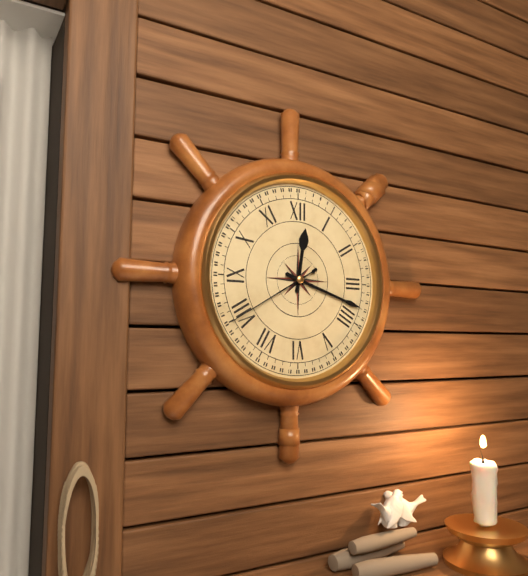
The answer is 12:18:40
